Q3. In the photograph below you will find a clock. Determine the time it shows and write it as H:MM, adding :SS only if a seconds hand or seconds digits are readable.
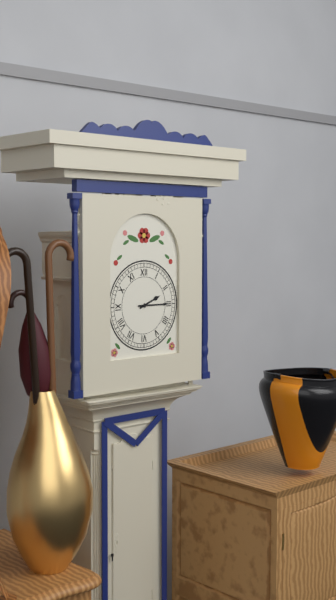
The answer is 2:15
